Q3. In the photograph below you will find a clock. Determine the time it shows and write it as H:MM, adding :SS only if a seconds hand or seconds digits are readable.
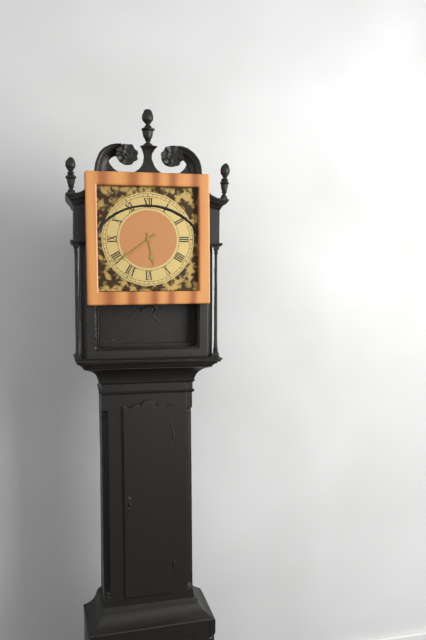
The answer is 5:39
